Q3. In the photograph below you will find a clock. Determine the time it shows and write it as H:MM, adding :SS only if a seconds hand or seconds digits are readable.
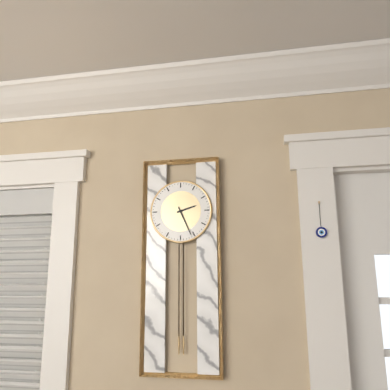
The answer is 2:26
